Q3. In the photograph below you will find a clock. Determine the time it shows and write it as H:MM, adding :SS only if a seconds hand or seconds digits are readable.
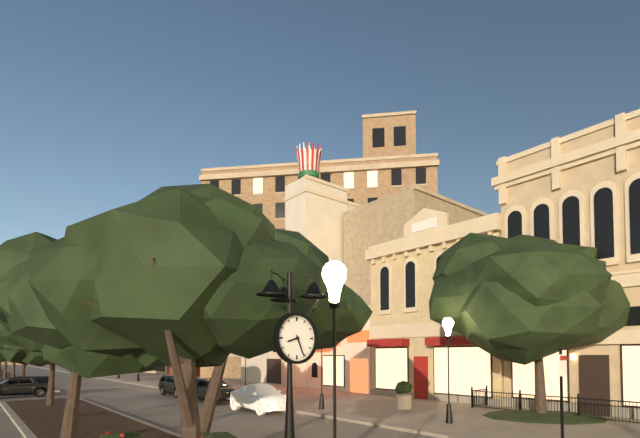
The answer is 8:26
